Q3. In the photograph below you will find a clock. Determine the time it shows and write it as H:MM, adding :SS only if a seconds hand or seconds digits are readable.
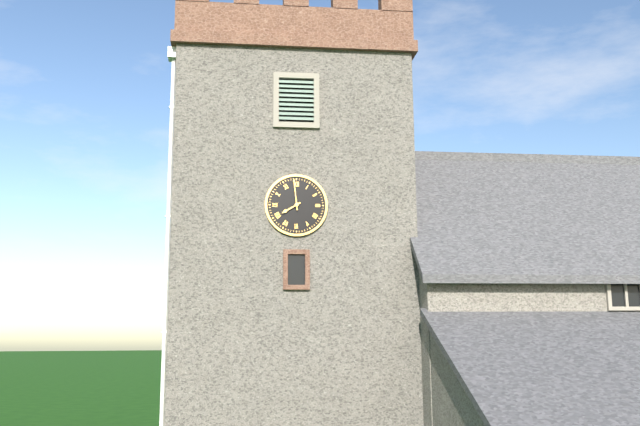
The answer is 7:59
